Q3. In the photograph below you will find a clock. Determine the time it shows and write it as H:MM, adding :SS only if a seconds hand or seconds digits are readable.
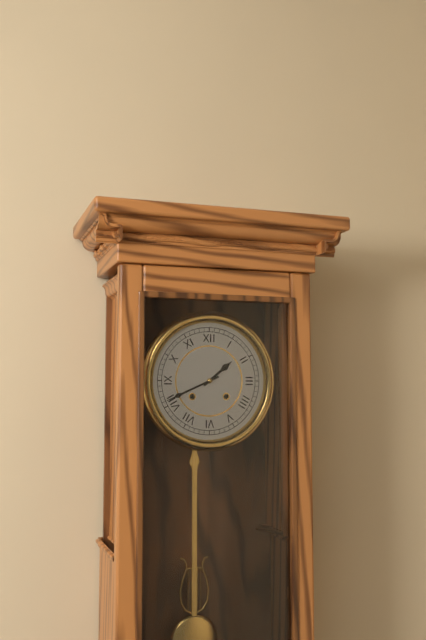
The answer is 1:41
